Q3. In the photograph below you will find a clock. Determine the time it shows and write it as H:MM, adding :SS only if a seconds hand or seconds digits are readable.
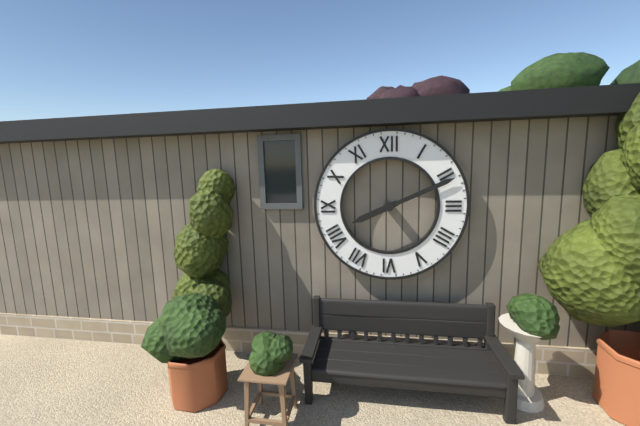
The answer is 8:11
